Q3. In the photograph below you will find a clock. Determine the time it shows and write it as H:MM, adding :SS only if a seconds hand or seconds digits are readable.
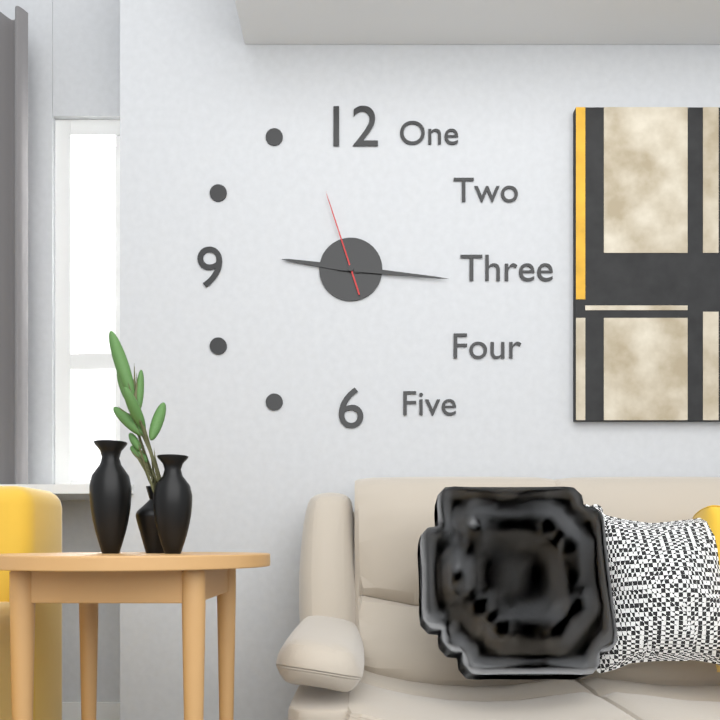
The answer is 9:16:57
